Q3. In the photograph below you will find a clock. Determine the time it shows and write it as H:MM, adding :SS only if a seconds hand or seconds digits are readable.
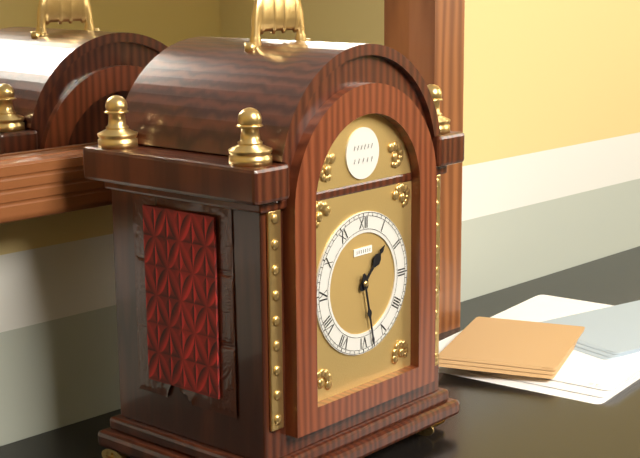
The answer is 1:28
